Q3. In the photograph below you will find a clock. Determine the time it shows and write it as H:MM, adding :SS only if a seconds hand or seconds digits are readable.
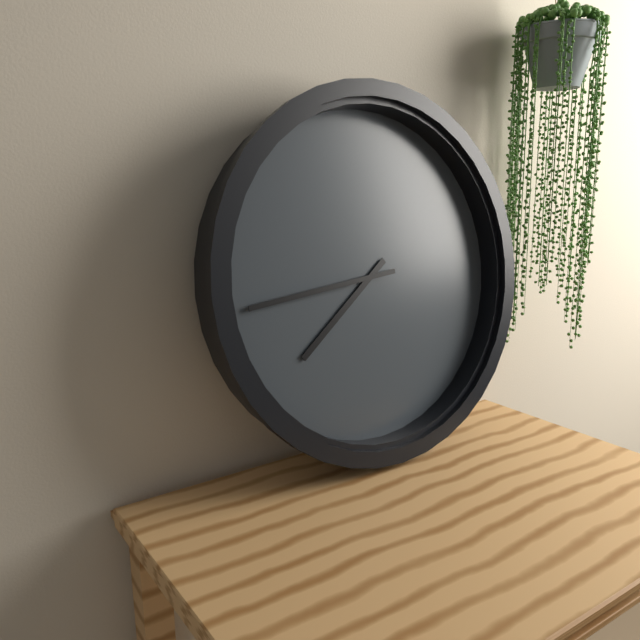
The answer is 7:44
